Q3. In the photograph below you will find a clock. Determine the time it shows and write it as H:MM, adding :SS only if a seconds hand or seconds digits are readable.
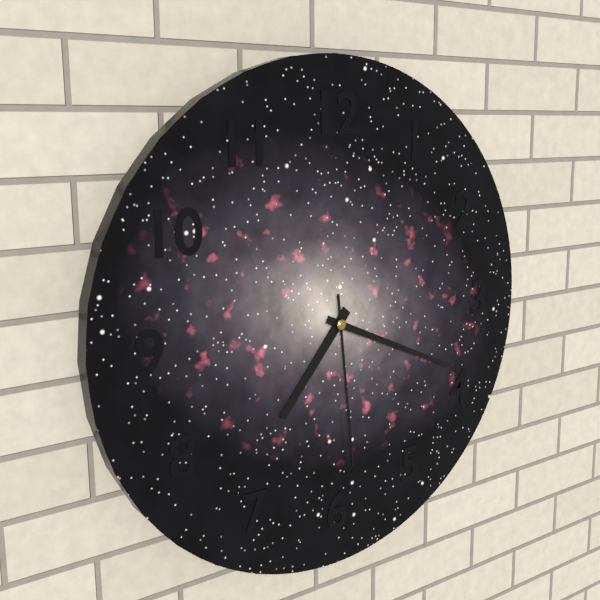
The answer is 7:19:29
